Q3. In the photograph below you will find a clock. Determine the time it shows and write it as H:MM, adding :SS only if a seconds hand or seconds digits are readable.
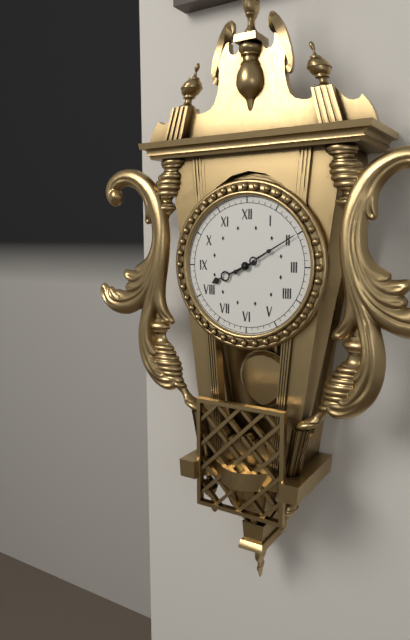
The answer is 8:10
